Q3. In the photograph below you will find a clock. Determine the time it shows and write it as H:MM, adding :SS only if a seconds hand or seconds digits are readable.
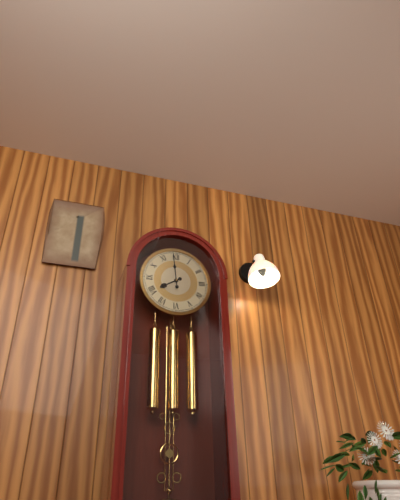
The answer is 7:59
